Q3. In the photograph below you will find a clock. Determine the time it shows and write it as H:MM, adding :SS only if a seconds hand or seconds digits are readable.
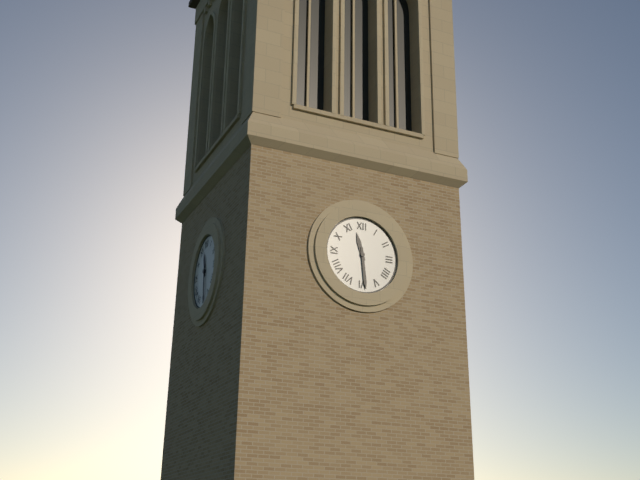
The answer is 11:29
